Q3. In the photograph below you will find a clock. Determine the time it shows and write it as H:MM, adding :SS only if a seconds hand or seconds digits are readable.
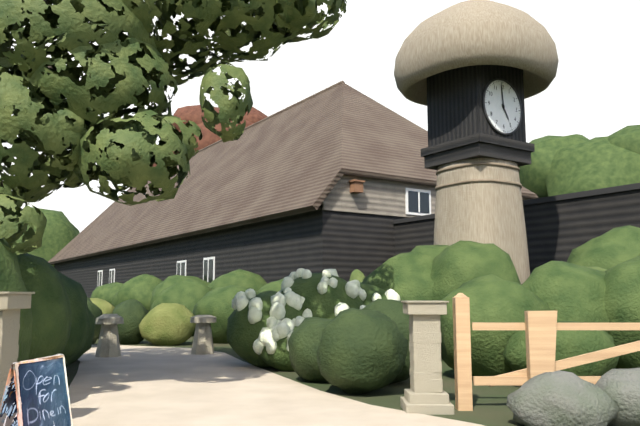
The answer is 4:59
